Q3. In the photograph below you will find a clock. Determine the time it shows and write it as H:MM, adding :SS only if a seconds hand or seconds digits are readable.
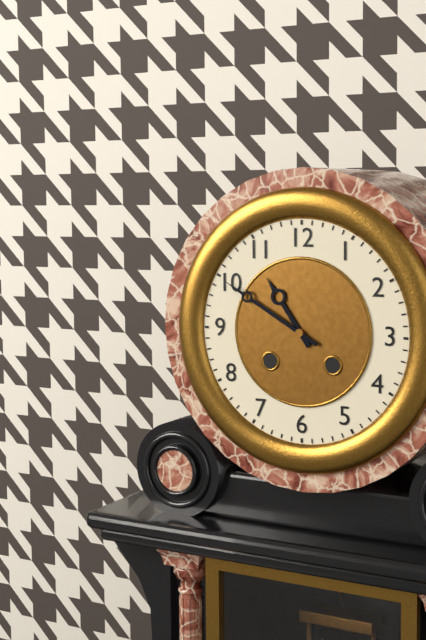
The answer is 10:50
